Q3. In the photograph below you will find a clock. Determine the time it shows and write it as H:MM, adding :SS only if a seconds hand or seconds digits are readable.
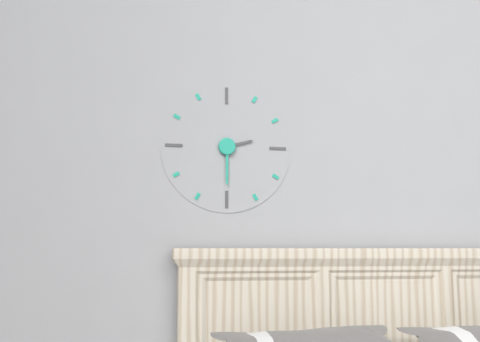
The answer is 2:30
